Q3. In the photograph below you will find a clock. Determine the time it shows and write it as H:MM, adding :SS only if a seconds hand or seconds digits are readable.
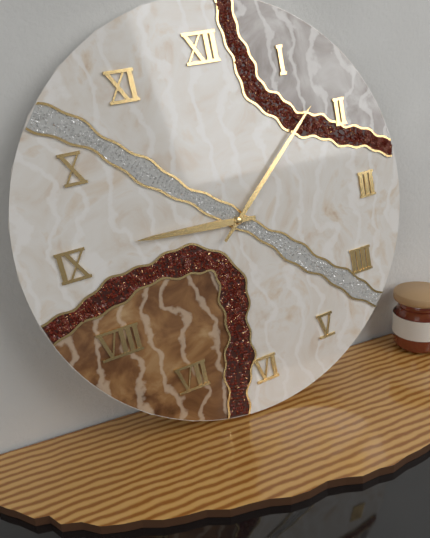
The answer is 9:08
